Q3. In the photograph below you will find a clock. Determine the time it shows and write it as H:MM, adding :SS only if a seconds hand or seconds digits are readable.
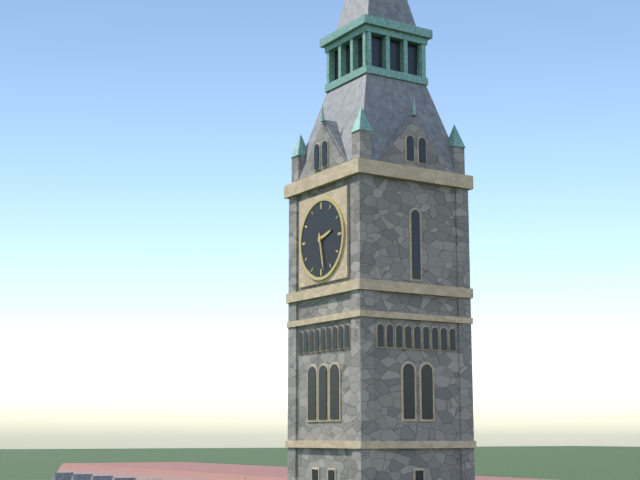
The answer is 2:28
